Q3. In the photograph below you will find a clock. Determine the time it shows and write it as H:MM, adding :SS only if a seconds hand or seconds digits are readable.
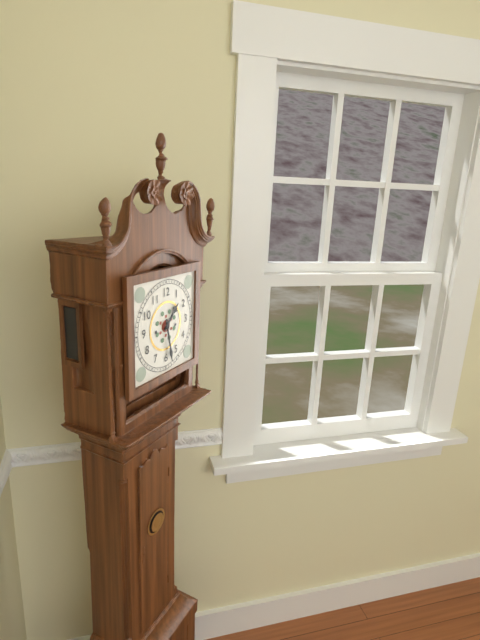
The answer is 1:28
